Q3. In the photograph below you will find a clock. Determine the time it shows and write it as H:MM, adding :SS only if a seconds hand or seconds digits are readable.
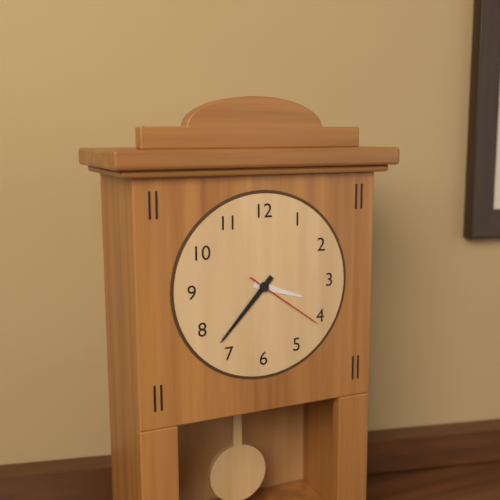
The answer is 3:37:21
